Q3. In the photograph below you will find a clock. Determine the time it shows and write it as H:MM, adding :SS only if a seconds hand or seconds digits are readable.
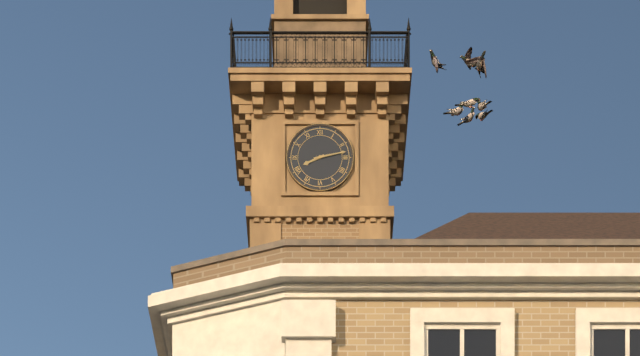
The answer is 8:13
